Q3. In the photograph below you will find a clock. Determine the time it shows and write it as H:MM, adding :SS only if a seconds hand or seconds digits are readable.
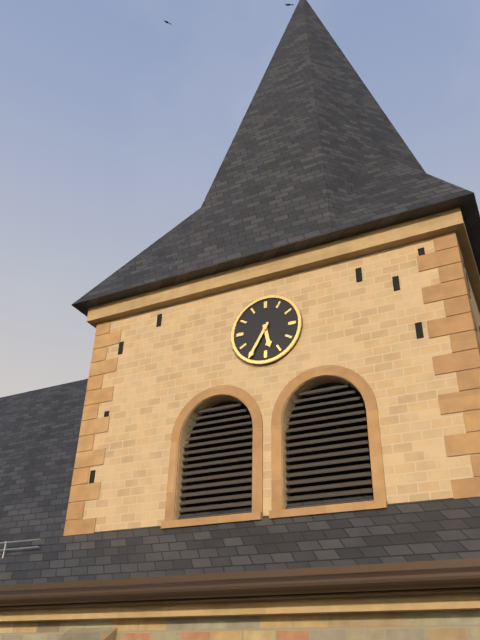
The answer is 5:35
